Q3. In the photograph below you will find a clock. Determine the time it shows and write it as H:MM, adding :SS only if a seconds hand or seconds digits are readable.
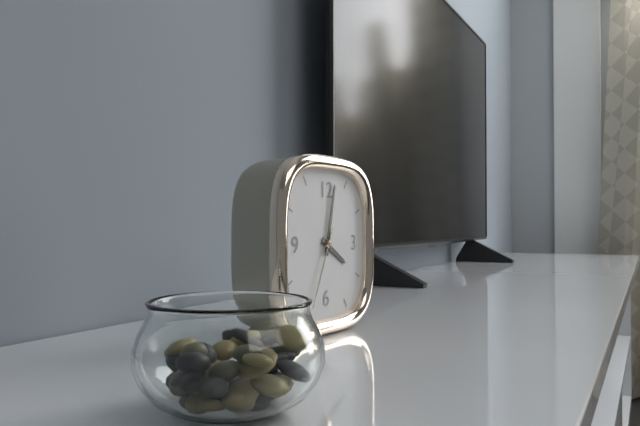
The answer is 4:02:34
